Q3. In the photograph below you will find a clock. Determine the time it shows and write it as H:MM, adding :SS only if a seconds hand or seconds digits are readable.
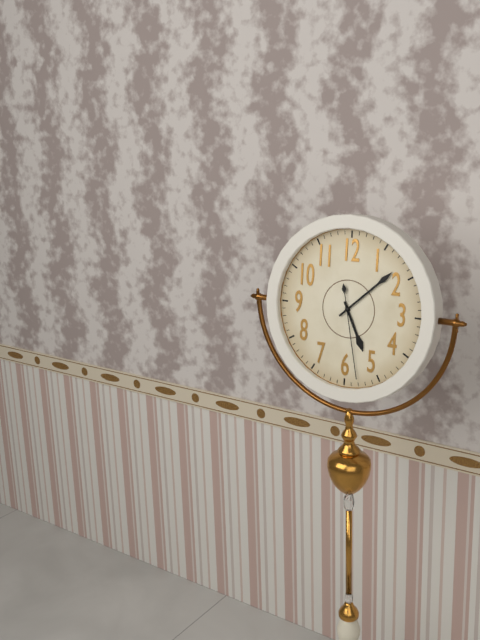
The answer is 5:08:28
